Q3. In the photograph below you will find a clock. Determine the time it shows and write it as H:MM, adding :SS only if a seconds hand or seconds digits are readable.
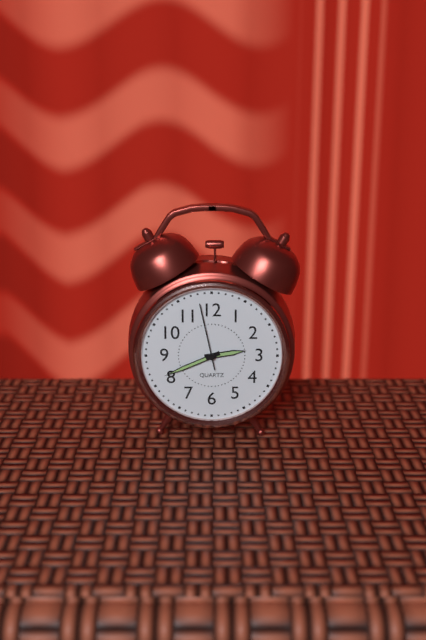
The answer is 2:41:58
